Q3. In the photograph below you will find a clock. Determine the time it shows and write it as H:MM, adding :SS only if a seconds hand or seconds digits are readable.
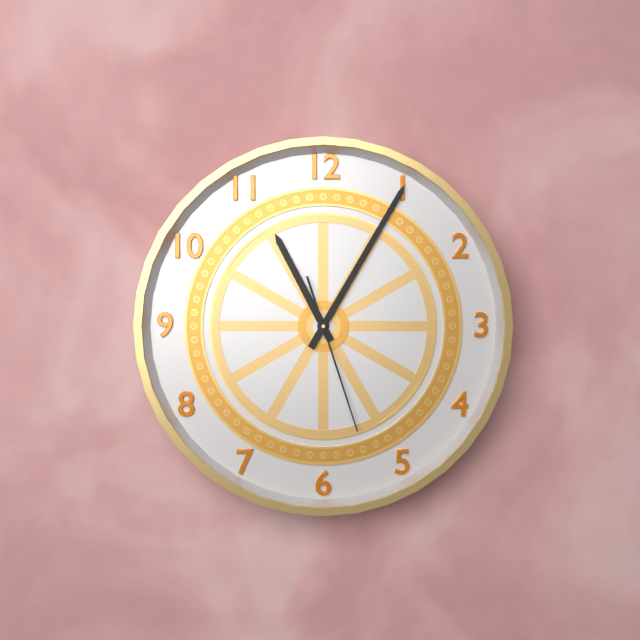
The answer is 11:05:27
